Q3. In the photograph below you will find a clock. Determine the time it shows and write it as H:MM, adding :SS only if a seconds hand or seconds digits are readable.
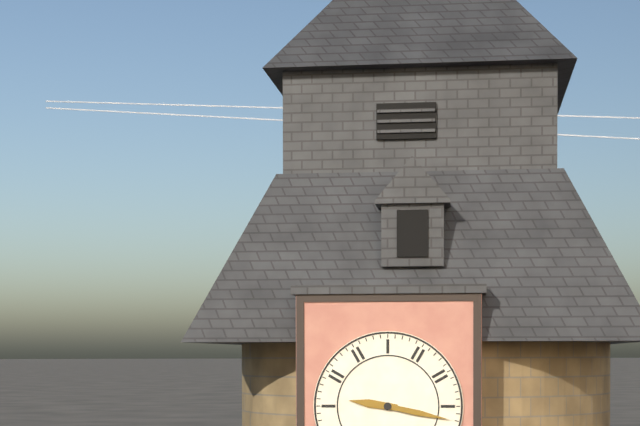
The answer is 9:17
